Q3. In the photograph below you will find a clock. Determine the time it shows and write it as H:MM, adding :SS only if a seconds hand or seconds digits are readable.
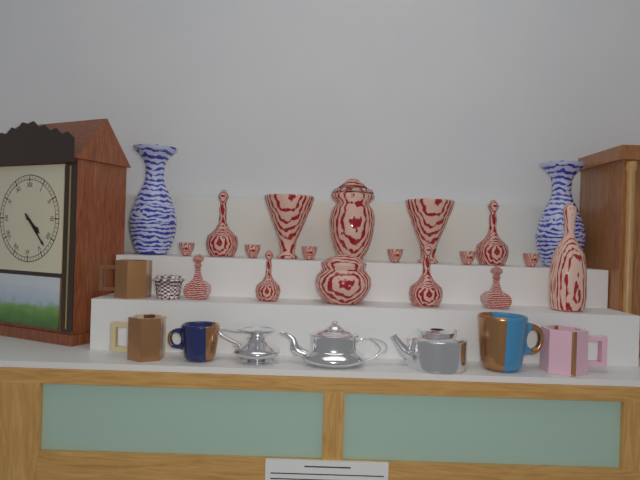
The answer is 4:23
